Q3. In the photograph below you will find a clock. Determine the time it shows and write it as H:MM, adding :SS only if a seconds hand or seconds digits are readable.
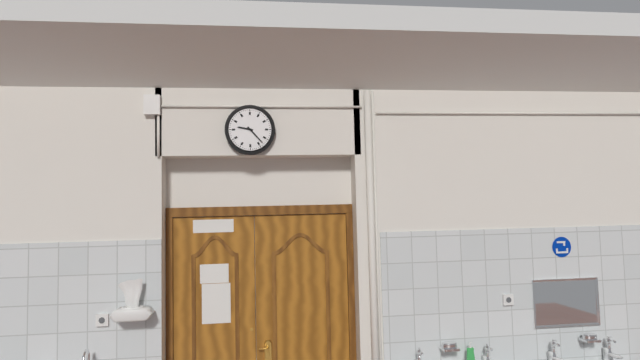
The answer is 9:23
